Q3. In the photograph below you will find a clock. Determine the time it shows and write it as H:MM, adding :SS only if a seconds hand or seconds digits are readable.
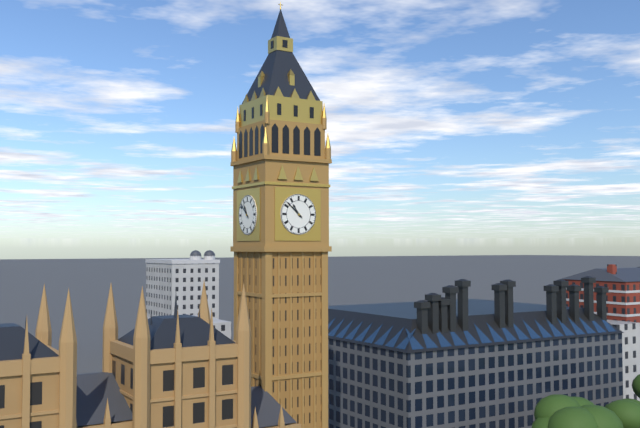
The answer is 10:52
